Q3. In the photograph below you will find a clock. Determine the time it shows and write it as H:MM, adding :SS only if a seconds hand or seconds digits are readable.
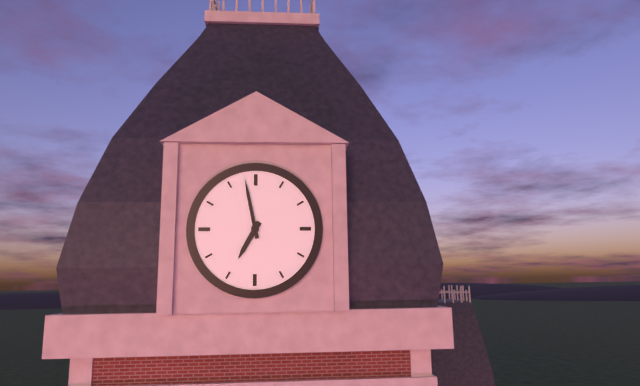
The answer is 6:58
